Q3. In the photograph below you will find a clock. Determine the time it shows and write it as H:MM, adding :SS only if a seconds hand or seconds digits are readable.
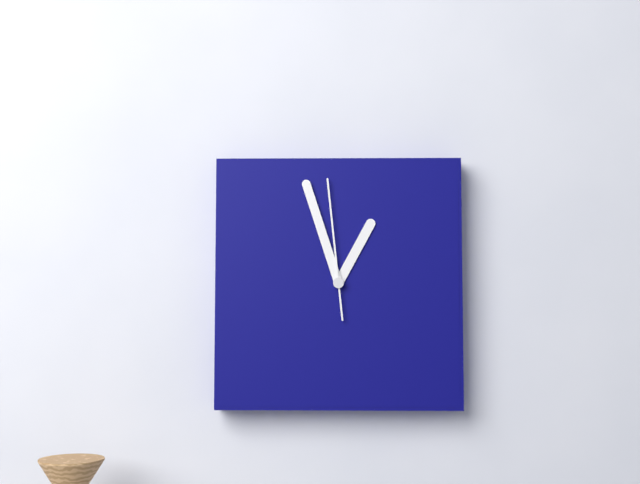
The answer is 12:57:59
